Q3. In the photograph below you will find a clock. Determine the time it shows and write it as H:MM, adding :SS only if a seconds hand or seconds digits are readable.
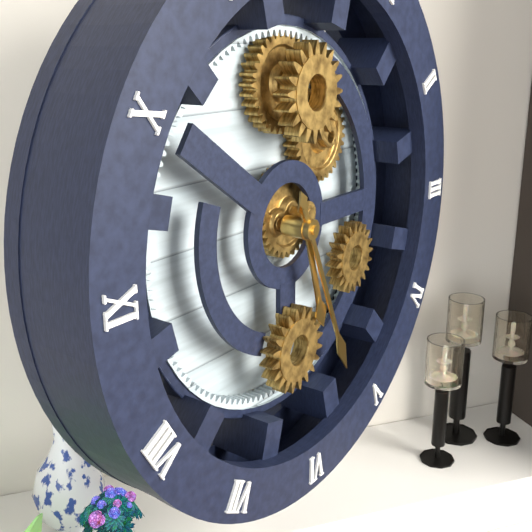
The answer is 5:26
